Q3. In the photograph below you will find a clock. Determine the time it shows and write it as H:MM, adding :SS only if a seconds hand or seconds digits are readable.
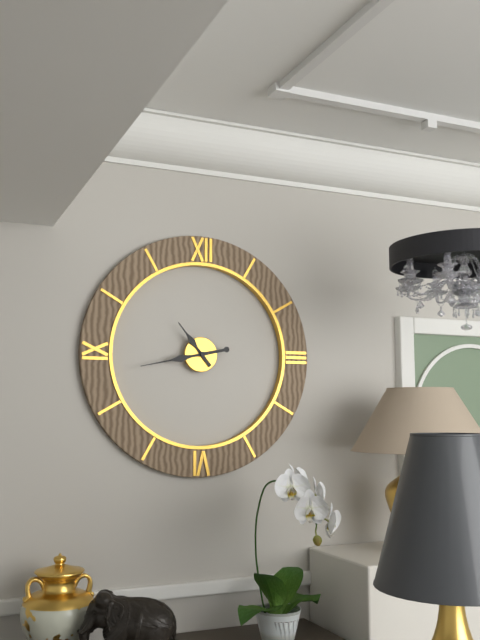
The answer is 10:43
